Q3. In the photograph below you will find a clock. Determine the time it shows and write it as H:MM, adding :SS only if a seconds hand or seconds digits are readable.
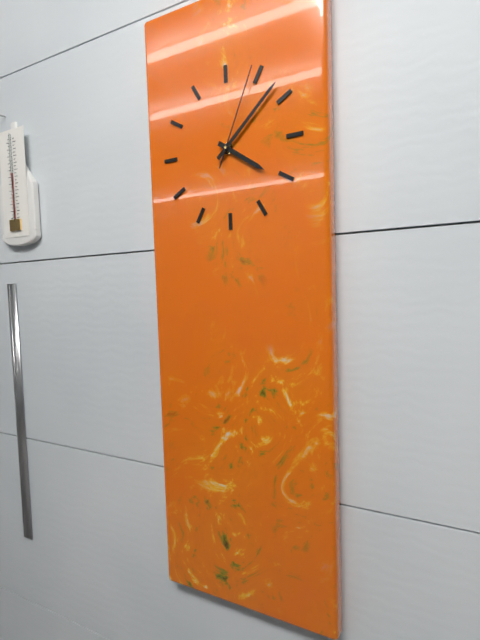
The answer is 4:08:04
